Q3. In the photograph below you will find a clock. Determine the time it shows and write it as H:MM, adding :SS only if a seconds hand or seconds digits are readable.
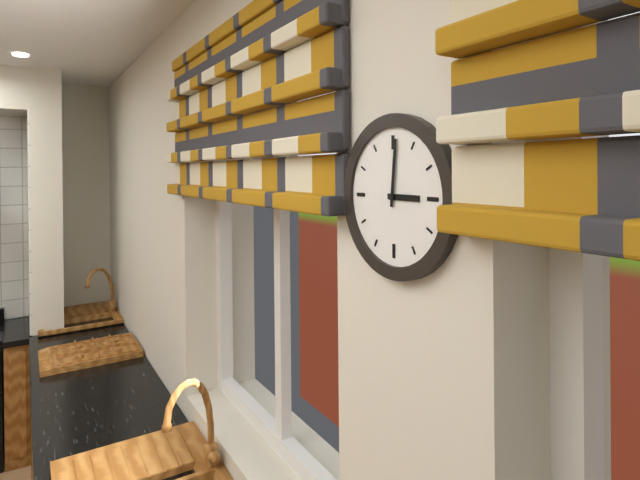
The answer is 3:01
